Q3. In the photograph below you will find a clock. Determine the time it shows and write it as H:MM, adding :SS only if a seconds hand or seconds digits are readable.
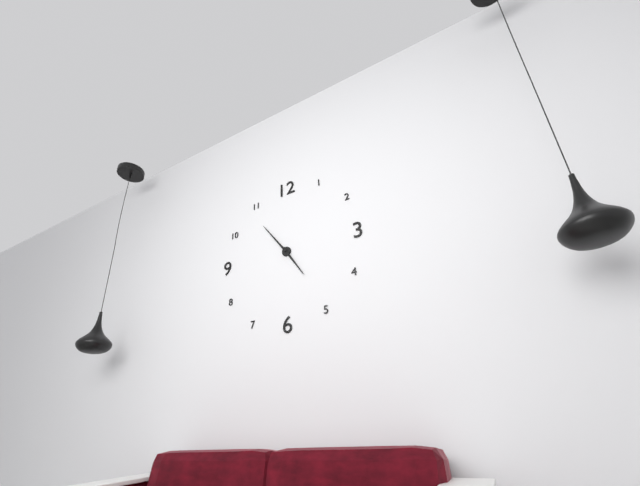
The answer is 4:54
